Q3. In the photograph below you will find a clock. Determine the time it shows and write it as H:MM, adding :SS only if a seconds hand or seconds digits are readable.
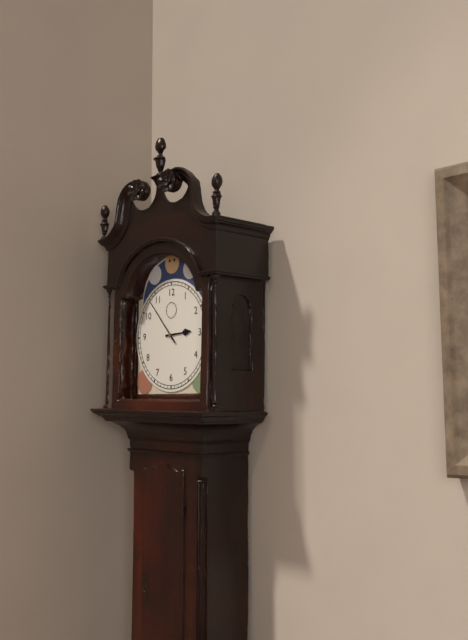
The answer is 2:53
